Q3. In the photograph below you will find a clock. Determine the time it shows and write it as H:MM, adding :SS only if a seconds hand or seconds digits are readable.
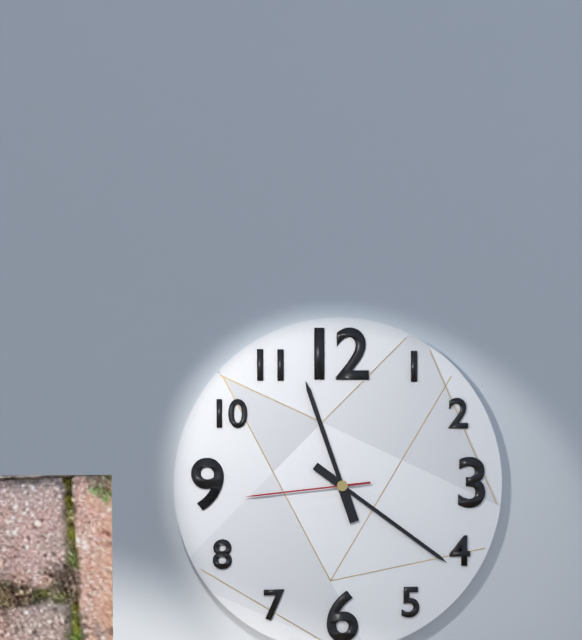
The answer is 11:21:44
